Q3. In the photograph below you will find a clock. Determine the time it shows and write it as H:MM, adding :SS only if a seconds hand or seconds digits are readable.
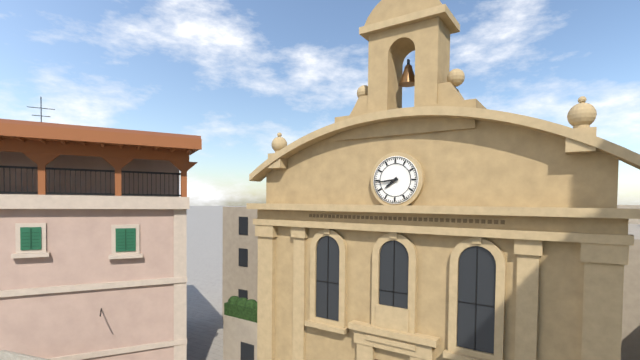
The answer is 7:44
